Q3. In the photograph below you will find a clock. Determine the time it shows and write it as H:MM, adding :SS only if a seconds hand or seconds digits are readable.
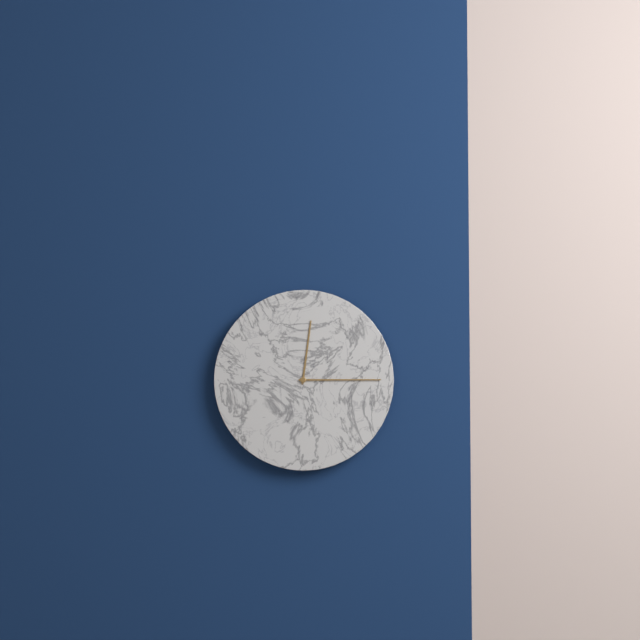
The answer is 12:15
